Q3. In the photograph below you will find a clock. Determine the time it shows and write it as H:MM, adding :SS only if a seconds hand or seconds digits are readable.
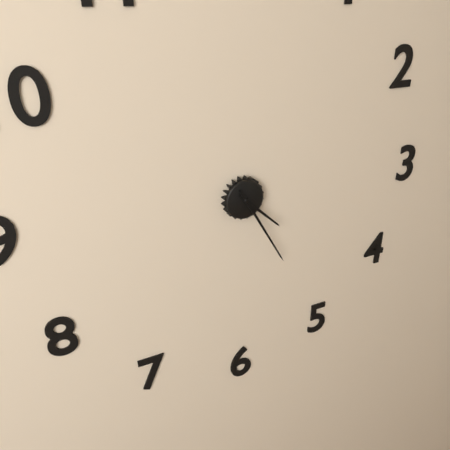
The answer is 4:25
